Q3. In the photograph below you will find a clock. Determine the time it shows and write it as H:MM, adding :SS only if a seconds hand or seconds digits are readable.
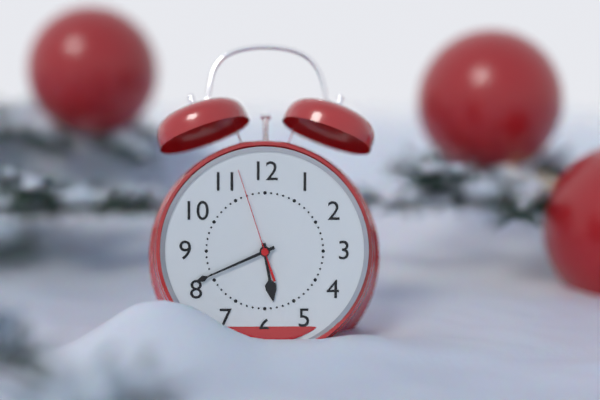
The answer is 5:41:57
